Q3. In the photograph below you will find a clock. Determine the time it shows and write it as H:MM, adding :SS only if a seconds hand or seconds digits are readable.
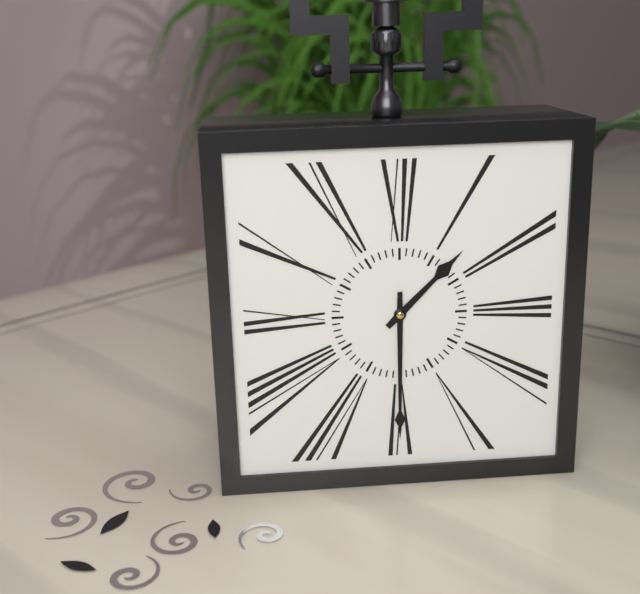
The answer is 1:30
